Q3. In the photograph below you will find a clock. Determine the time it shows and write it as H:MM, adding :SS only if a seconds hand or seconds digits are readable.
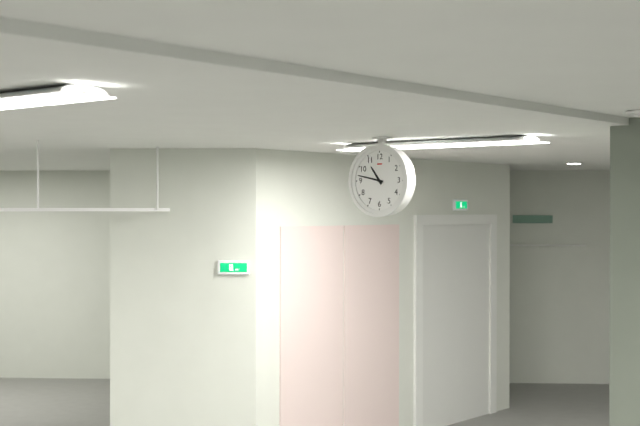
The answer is 10:47
